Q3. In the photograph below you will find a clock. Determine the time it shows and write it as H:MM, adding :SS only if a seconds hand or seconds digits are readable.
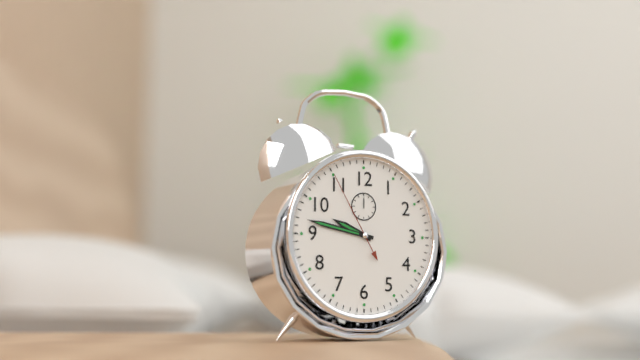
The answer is 9:47:55
